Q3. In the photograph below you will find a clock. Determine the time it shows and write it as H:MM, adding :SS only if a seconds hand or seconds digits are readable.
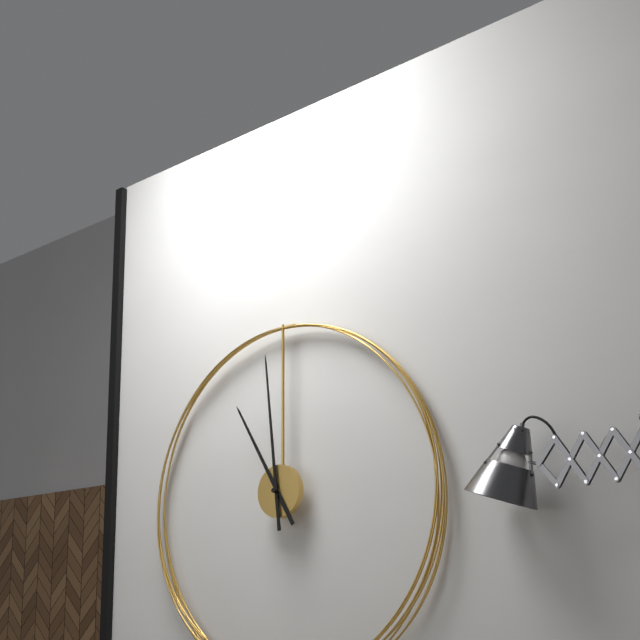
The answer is 10:59
